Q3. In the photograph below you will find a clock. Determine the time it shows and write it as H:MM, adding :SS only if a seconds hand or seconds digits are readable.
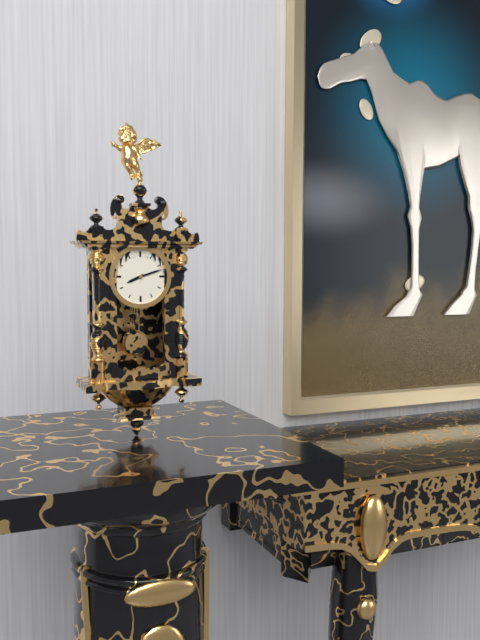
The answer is 8:12
